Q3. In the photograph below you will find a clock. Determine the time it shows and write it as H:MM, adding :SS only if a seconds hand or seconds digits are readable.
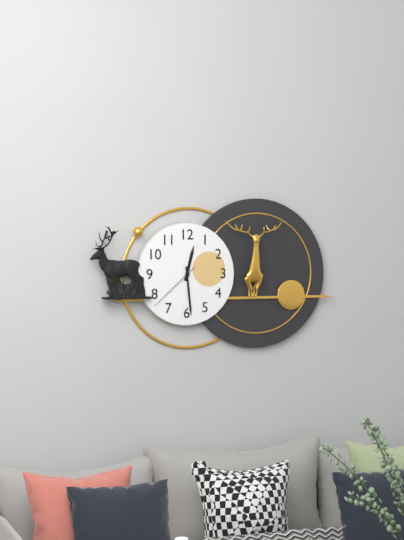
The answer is 12:29:38
